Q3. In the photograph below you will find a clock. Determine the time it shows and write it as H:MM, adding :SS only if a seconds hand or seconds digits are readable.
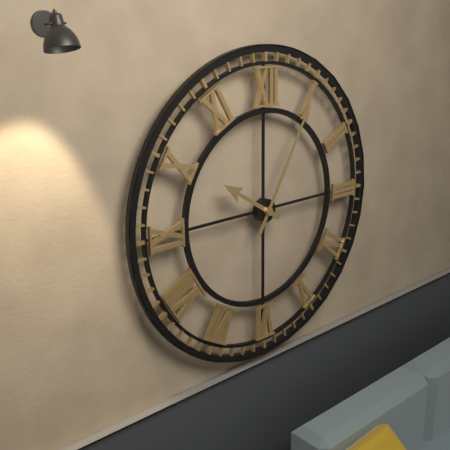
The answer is 10:05
